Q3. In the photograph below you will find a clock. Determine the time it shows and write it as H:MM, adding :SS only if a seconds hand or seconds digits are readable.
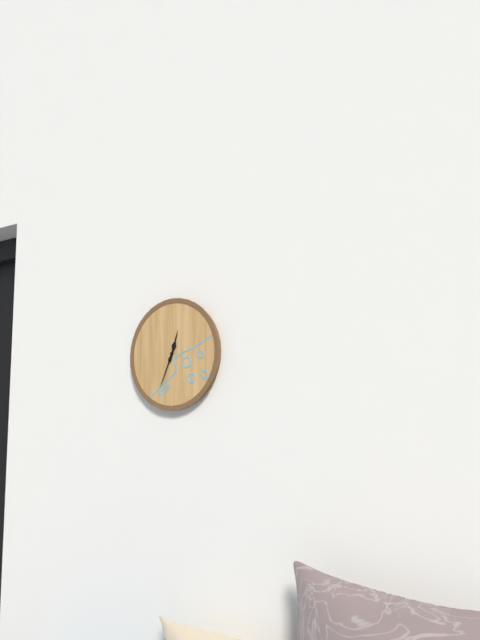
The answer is 12:34
